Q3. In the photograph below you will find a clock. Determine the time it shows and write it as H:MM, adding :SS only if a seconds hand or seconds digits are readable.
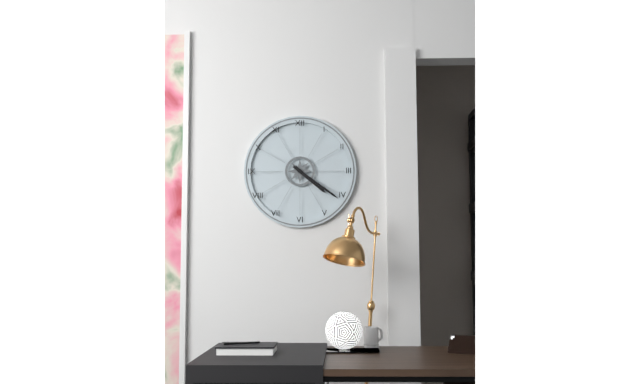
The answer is 4:21
